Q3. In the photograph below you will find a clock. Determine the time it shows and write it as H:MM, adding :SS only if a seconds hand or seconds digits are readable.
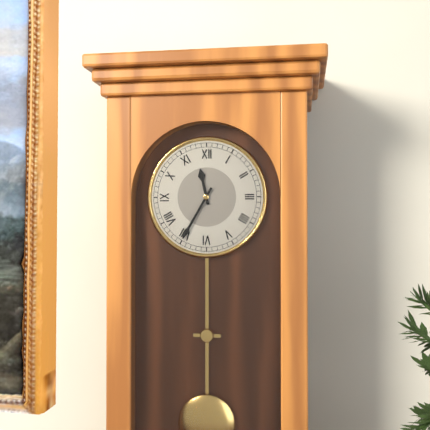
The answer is 11:35
